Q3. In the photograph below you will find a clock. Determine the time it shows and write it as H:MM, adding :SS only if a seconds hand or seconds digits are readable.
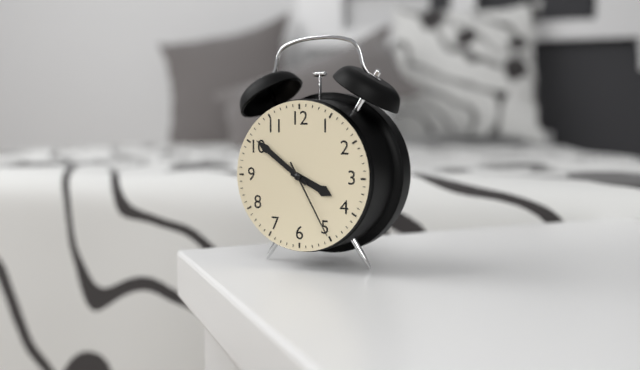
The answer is 3:51:25
